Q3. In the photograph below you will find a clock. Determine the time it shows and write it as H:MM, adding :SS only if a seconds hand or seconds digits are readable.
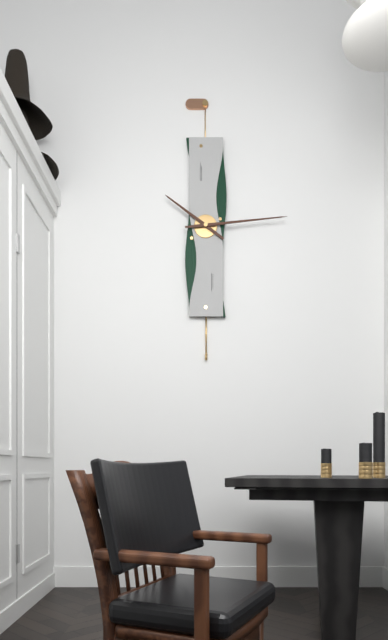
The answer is 10:14
